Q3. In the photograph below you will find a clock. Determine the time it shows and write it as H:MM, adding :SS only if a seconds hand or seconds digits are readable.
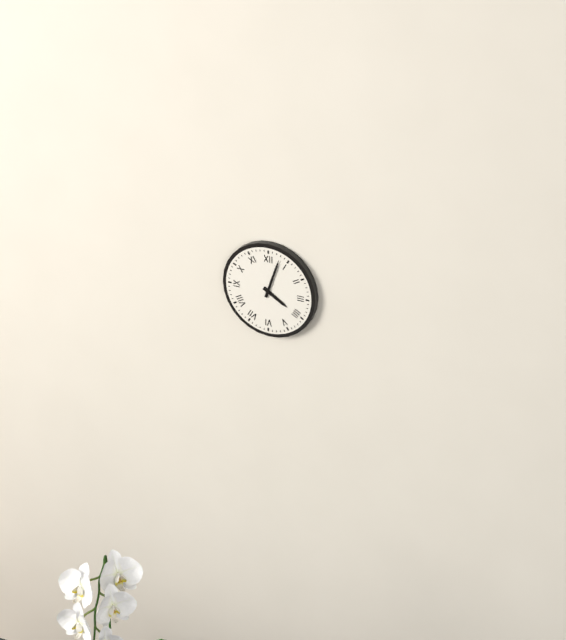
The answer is 4:03
